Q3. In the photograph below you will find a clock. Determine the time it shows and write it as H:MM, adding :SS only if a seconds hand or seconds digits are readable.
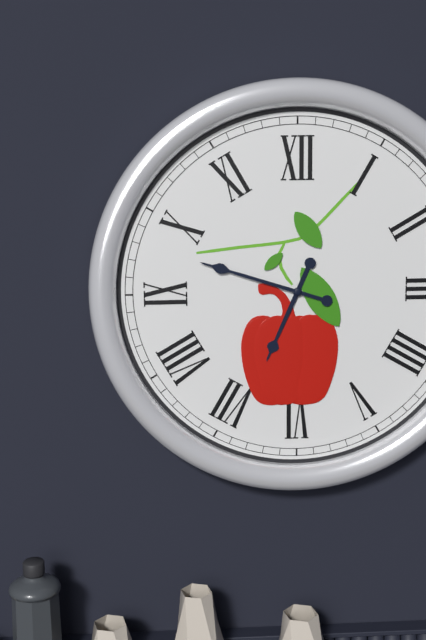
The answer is 6:48
